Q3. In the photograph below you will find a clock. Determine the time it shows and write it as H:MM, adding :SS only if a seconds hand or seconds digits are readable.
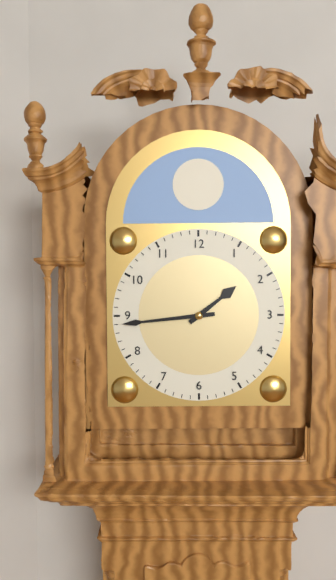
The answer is 1:44
